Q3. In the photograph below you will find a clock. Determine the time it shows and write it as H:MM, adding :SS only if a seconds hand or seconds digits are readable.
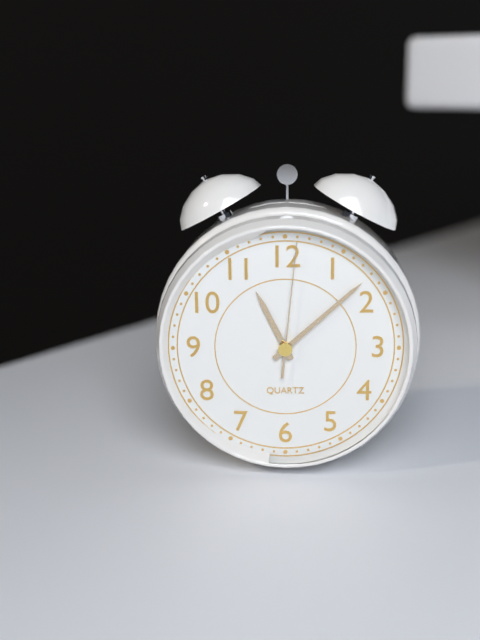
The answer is 11:08:01
